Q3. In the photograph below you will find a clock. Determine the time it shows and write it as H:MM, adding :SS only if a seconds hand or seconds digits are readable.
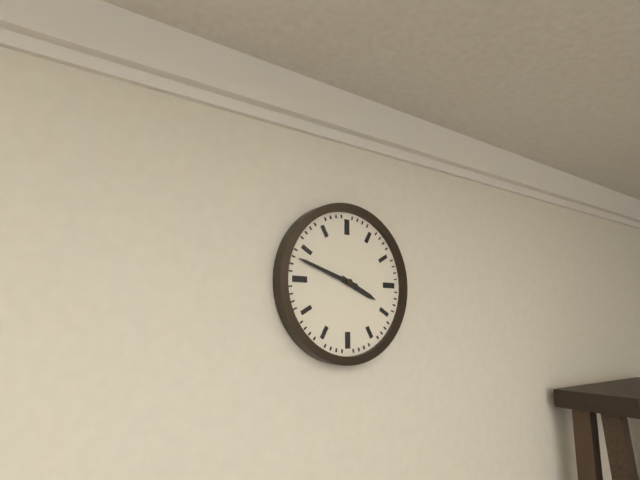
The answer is 3:48
